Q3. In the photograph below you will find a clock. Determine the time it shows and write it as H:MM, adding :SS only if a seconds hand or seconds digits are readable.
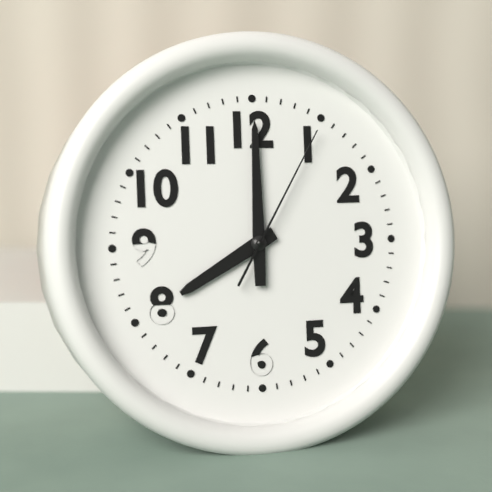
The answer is 8:00:05
